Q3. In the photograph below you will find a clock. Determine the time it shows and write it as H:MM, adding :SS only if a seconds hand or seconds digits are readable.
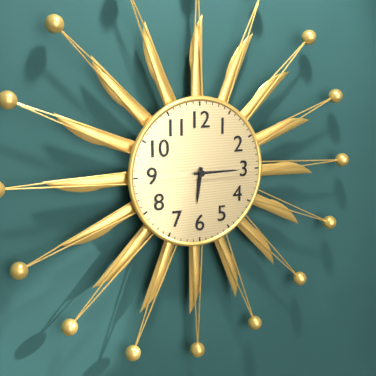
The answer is 6:15
